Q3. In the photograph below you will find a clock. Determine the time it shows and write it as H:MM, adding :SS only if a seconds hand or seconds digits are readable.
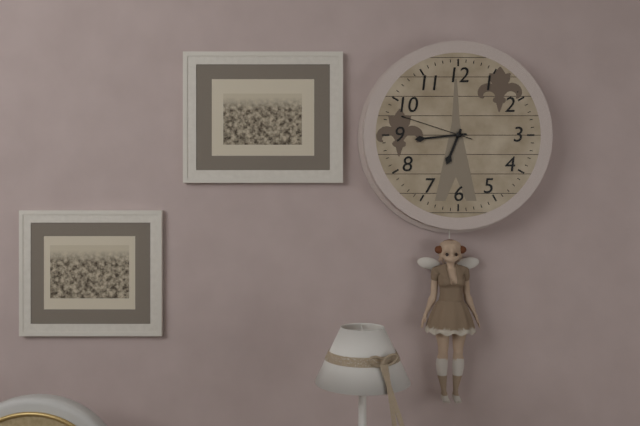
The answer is 6:44:48
